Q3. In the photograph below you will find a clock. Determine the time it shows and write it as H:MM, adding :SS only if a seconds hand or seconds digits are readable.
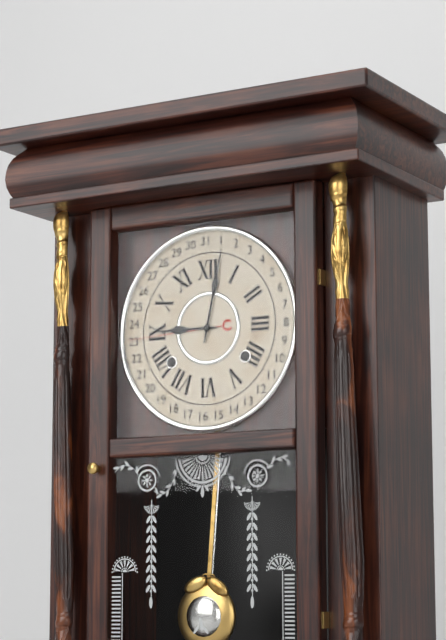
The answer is 9:02
